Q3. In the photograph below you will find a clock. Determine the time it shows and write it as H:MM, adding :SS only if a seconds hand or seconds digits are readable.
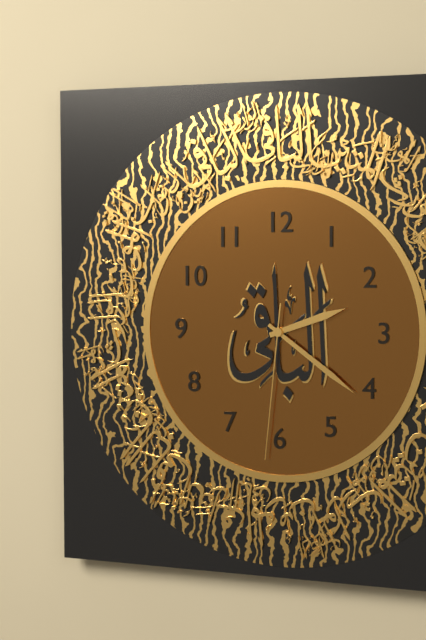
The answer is 2:21:31
